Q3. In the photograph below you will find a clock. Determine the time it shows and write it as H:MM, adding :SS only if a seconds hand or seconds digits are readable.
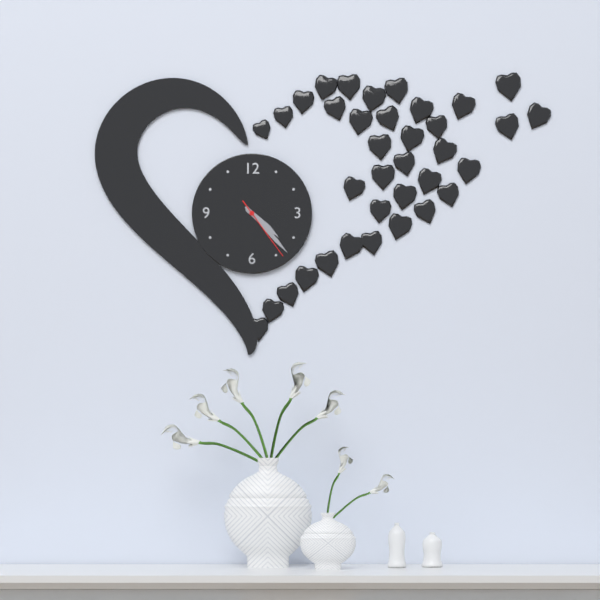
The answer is 4:23:24
